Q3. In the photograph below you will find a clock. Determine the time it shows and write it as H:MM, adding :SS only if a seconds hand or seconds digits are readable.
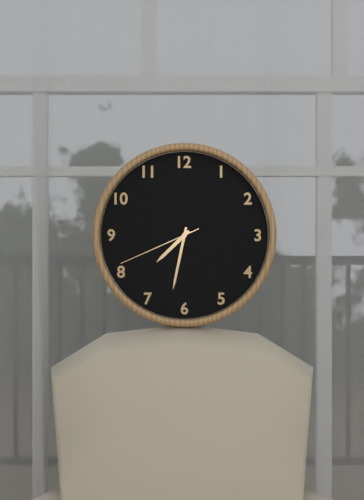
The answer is 7:32:41
